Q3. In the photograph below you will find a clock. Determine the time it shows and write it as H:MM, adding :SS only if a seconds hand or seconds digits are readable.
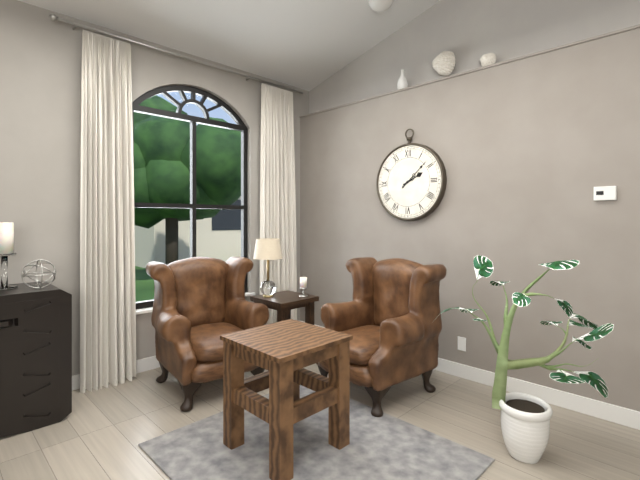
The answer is 2:08
